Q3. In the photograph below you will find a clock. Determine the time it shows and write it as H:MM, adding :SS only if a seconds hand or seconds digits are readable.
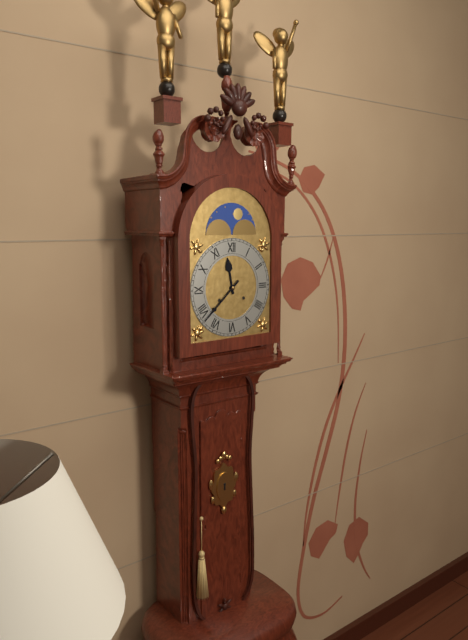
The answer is 11:38
